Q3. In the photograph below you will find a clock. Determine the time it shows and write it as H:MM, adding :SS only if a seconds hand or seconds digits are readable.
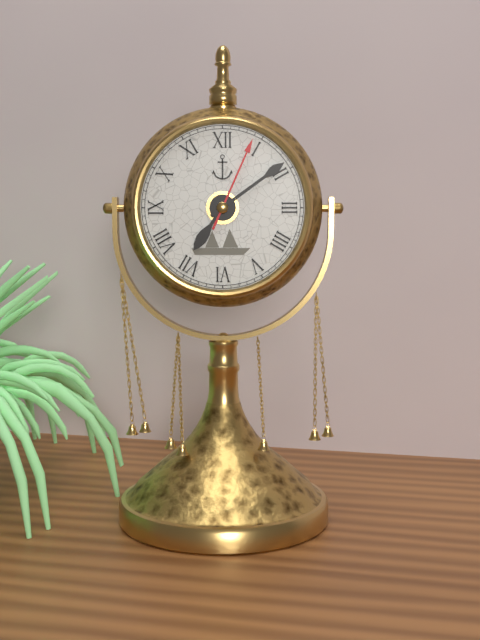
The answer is 7:09:04
